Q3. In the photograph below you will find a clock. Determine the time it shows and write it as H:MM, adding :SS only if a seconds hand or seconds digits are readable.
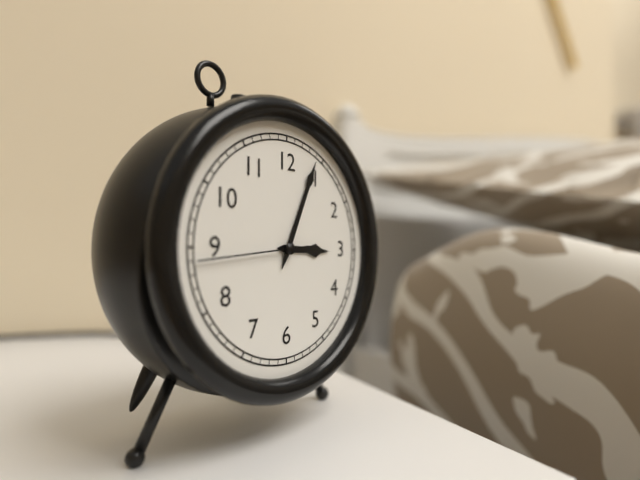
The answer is 3:04:44
